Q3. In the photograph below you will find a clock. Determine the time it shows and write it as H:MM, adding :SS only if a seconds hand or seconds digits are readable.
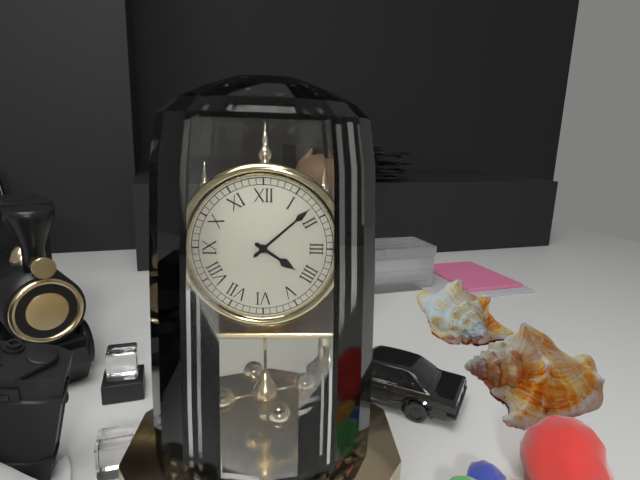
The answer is 4:08
